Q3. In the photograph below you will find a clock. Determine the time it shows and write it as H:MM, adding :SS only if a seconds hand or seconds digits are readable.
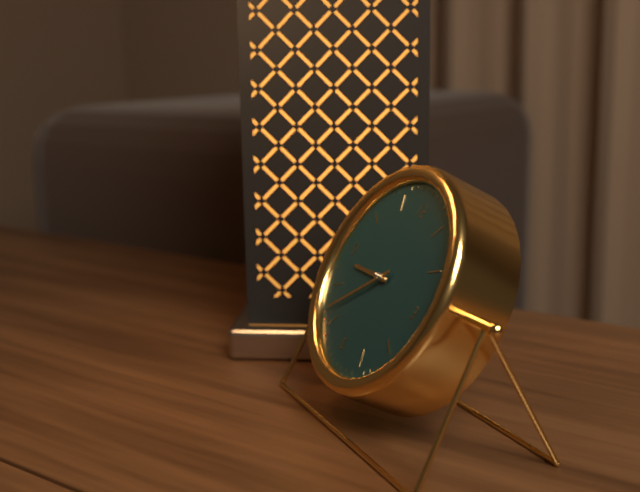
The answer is 8:37
